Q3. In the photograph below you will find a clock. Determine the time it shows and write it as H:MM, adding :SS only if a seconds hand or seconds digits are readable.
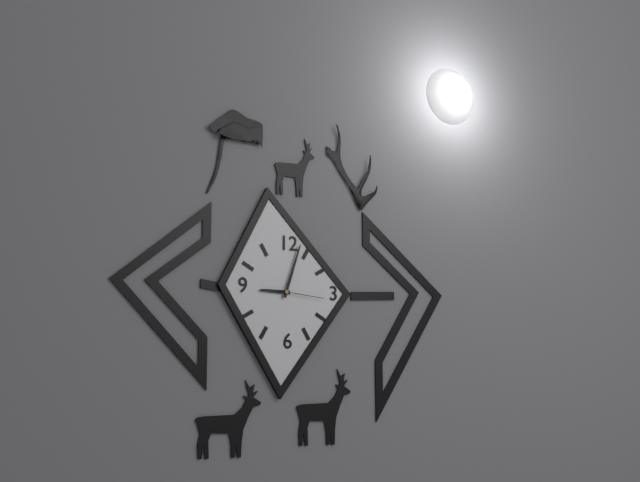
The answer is 9:03:16
